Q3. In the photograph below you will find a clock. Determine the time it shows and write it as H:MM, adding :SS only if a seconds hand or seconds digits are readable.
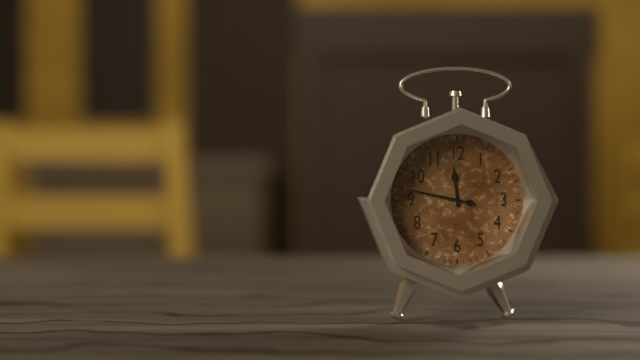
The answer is 11:47
